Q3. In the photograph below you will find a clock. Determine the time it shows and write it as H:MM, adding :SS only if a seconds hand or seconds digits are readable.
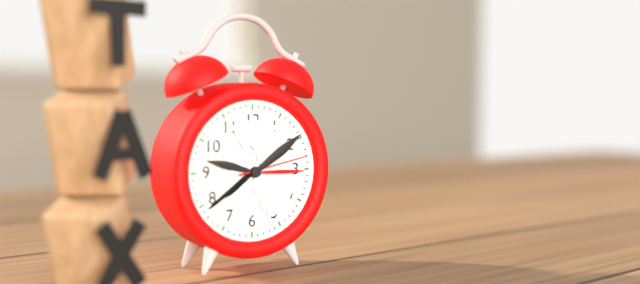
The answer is 7:39:13
